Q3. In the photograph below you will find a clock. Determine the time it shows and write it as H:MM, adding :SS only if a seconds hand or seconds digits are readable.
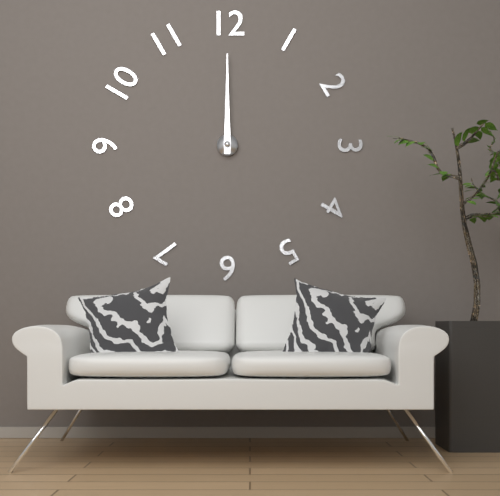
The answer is 12:00
